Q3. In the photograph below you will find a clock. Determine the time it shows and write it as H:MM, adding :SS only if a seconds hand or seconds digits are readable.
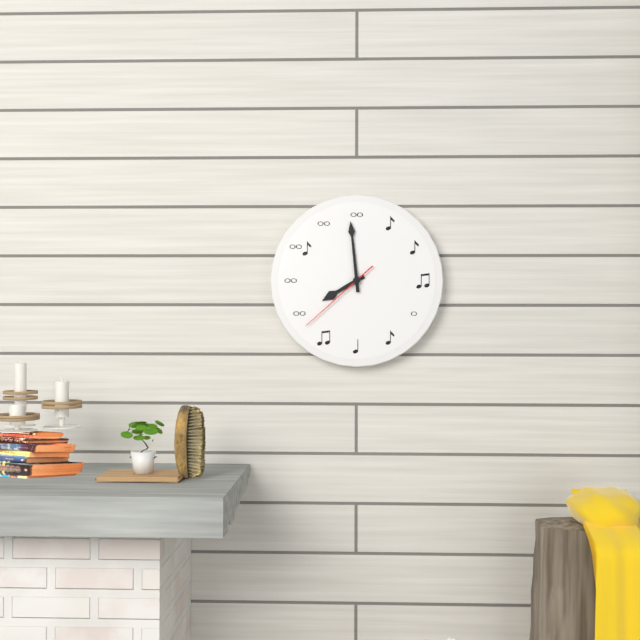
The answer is 7:59:38
